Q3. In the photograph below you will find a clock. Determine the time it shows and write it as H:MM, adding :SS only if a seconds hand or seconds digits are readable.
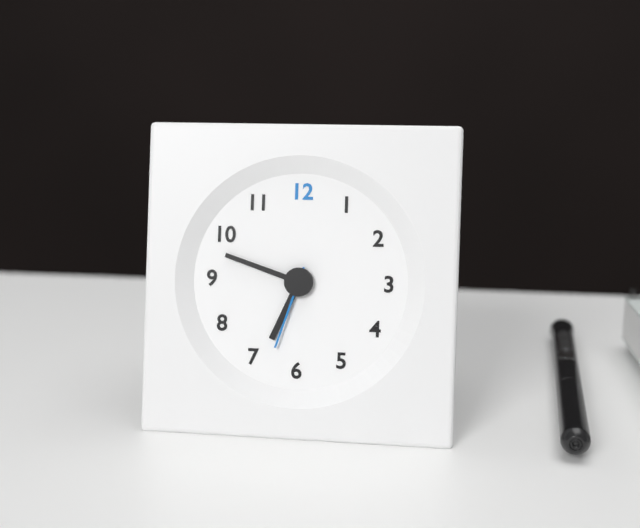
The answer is 6:48:33
